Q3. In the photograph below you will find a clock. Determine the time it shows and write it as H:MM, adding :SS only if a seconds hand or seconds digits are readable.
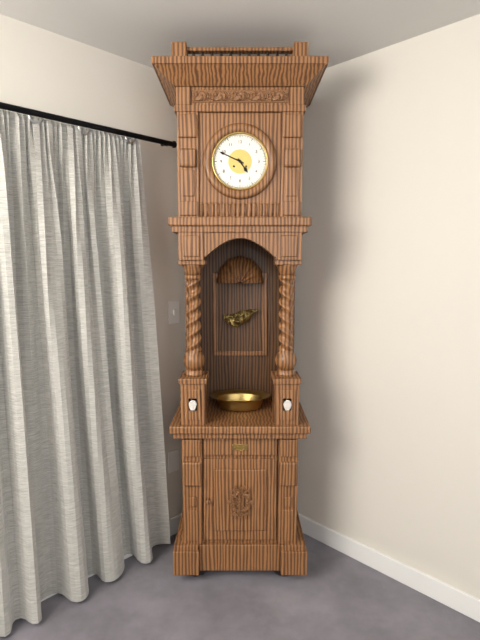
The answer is 4:49
